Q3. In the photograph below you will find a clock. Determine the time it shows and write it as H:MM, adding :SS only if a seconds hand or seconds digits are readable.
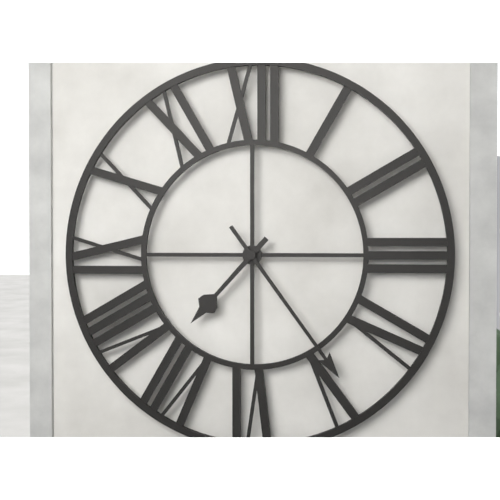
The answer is 7:24
